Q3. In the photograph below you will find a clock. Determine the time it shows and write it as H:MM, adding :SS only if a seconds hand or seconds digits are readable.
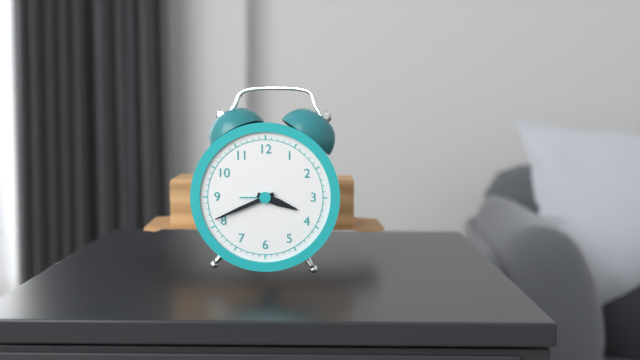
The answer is 3:41
